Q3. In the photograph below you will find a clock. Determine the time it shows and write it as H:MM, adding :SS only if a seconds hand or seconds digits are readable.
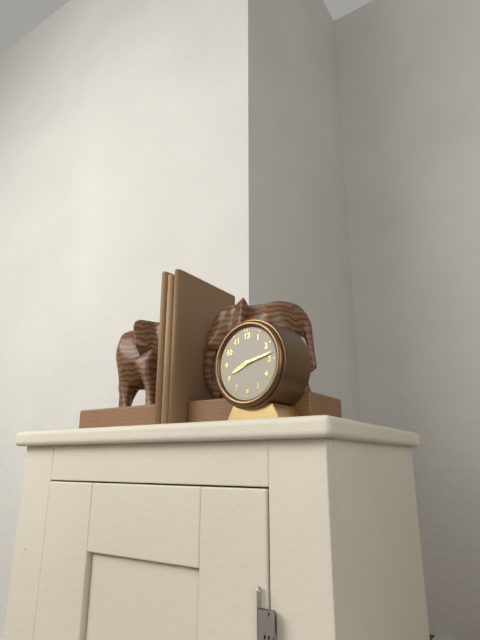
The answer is 8:13
